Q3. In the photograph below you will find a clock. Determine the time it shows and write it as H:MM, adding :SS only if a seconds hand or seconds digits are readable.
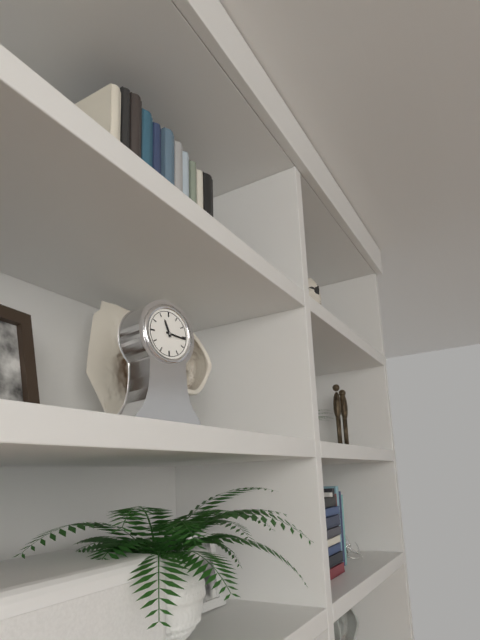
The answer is 11:16
